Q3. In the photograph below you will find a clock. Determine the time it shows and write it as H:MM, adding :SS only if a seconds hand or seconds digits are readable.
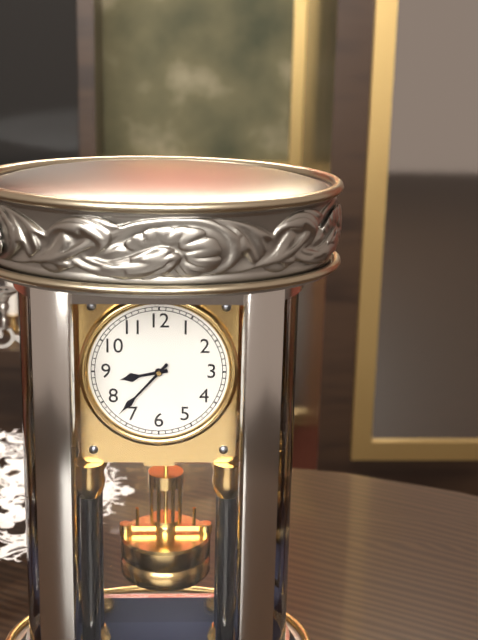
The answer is 8:37
